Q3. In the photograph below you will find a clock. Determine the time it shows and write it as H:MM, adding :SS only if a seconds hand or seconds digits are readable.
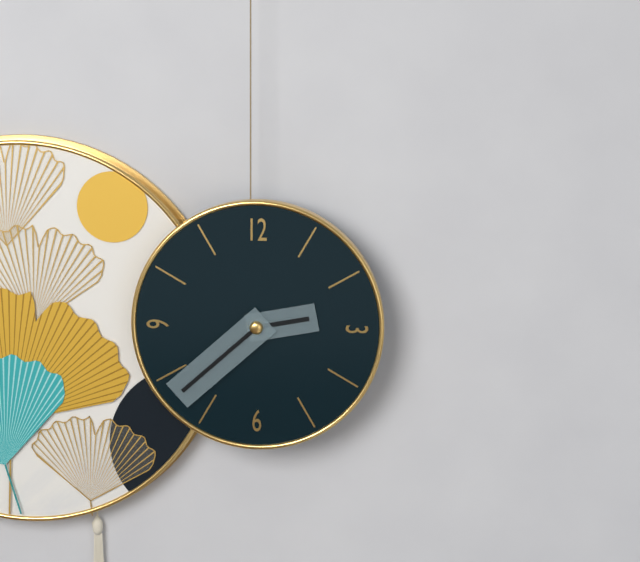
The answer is 2:38
